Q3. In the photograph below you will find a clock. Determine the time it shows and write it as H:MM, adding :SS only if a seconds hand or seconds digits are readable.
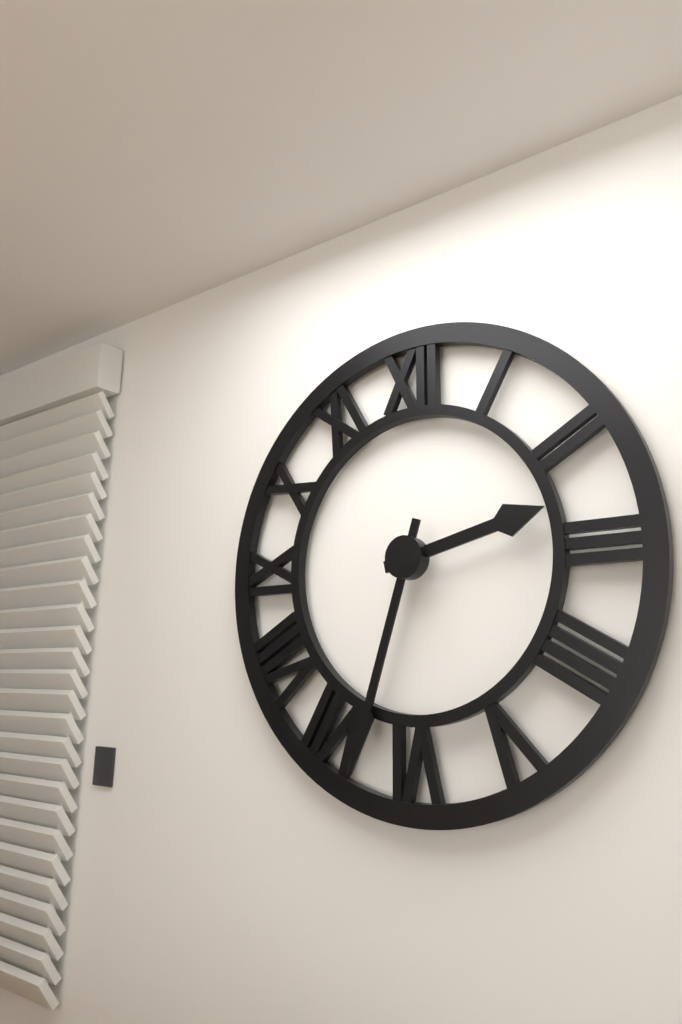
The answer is 2:33
